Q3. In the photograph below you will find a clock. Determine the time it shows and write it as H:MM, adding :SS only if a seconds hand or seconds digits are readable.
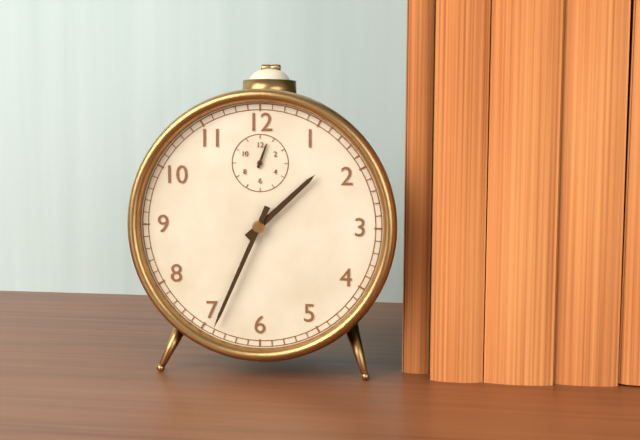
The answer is 1:34
